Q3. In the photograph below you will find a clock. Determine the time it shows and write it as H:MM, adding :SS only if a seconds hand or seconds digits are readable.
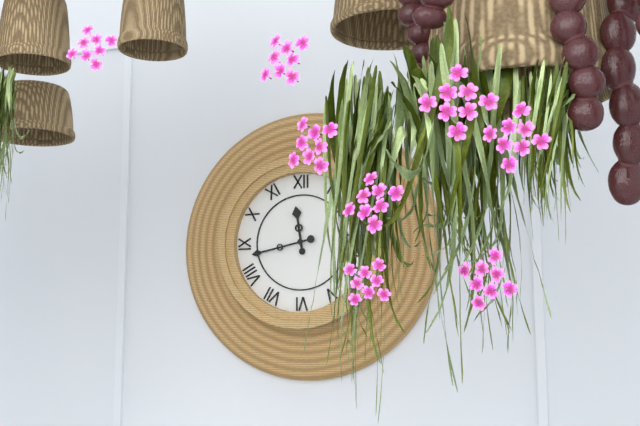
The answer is 11:43
